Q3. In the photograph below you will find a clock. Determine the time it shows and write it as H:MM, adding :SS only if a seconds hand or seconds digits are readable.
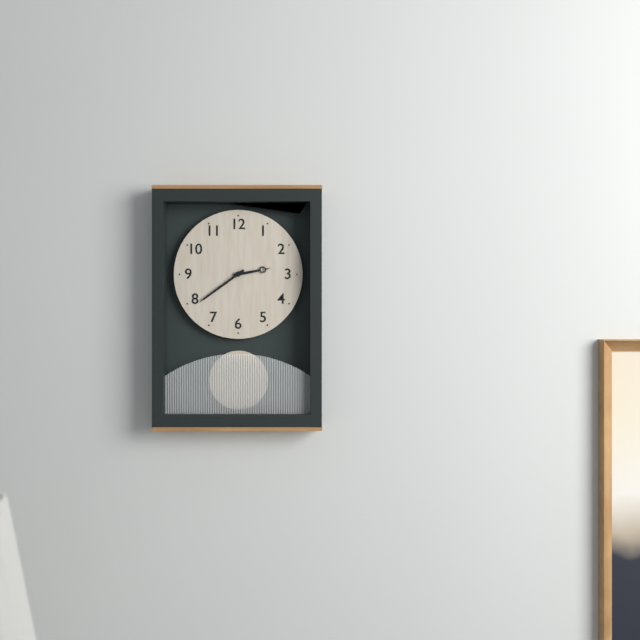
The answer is 2:39
